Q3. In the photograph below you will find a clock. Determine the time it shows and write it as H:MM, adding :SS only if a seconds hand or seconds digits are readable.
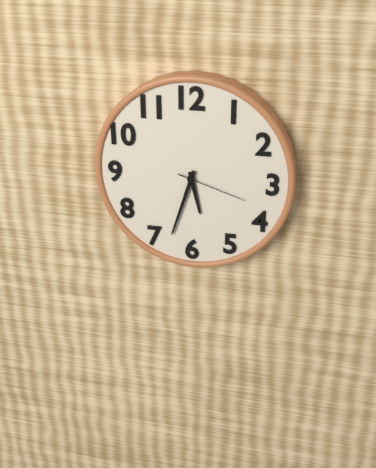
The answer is 5:33:18
